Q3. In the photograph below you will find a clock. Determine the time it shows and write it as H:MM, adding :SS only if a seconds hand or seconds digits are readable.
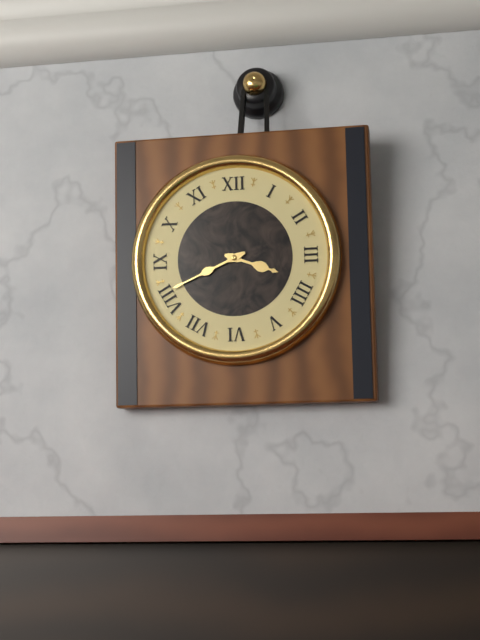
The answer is 3:41
